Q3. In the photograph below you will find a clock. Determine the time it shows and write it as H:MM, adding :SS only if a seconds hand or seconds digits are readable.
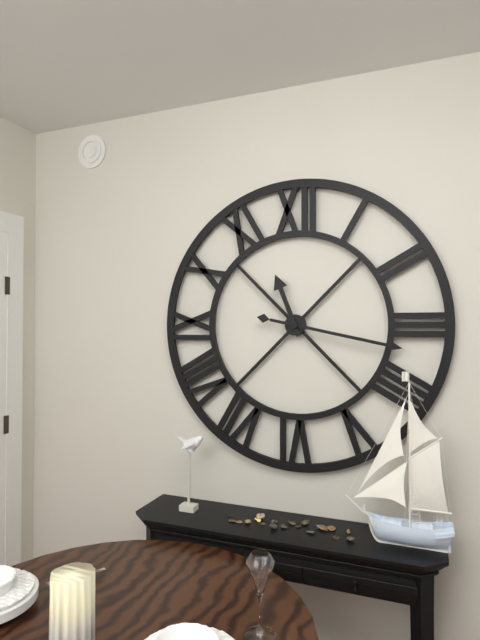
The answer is 11:17
